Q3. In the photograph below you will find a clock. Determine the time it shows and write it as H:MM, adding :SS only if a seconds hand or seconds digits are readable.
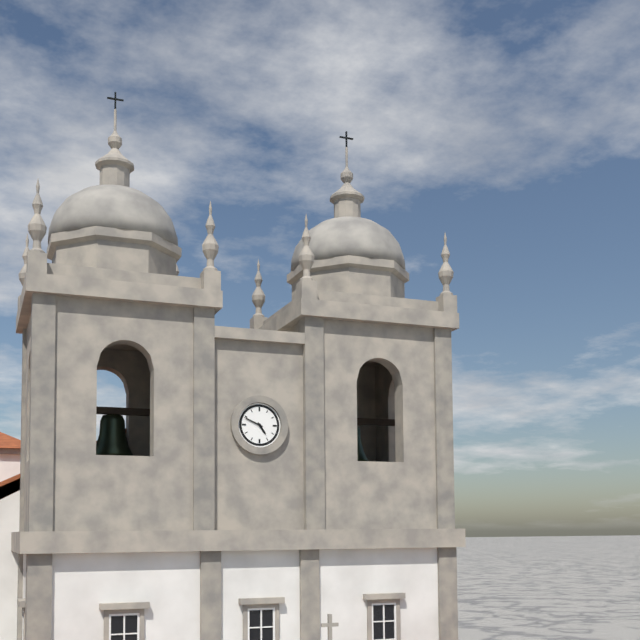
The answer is 4:49
